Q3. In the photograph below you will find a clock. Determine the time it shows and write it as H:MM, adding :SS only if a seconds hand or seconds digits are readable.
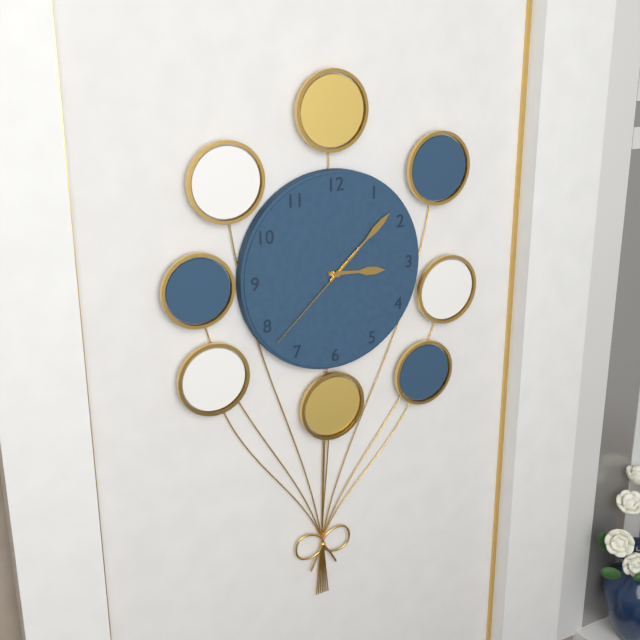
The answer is 3:08:38
